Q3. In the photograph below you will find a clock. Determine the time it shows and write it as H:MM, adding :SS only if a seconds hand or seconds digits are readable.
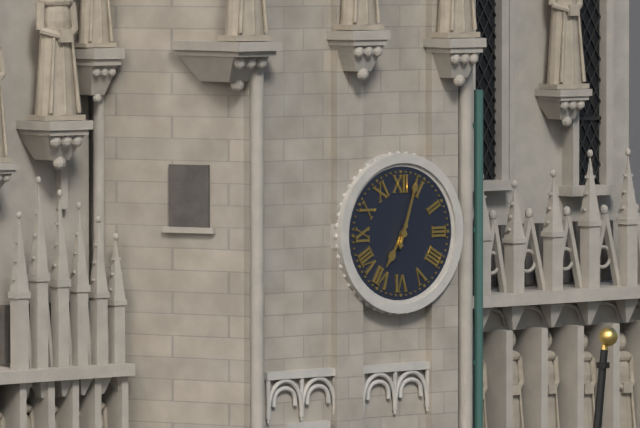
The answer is 7:03
